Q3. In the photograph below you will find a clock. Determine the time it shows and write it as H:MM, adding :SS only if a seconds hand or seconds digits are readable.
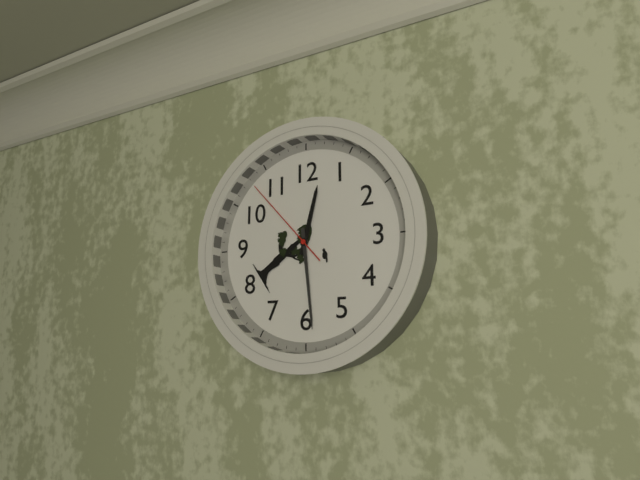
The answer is 12:29:53
